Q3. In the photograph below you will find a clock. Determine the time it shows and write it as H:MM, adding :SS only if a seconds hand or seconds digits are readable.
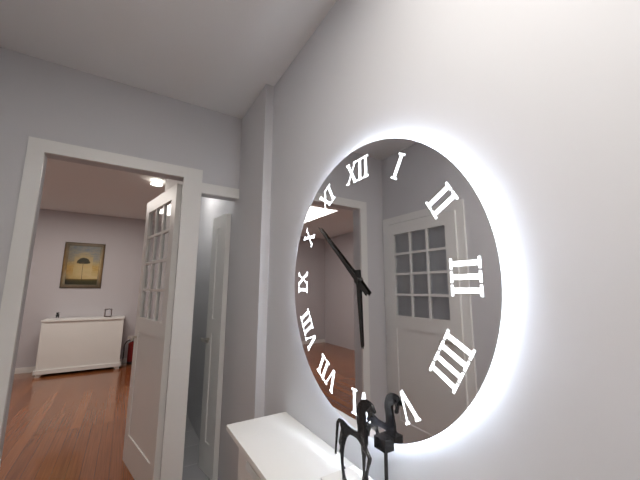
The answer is 5:52
